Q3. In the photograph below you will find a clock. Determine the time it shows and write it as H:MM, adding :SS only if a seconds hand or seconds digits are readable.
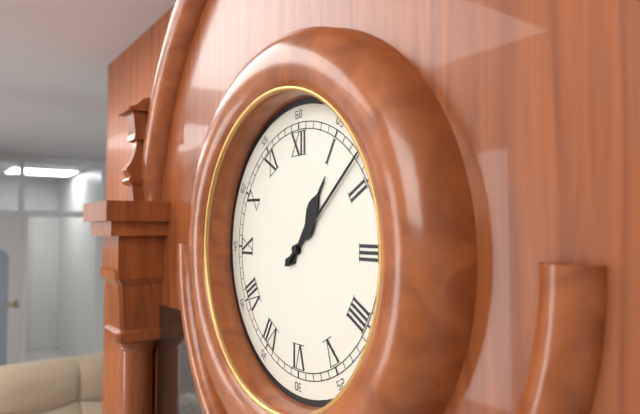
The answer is 1:08
